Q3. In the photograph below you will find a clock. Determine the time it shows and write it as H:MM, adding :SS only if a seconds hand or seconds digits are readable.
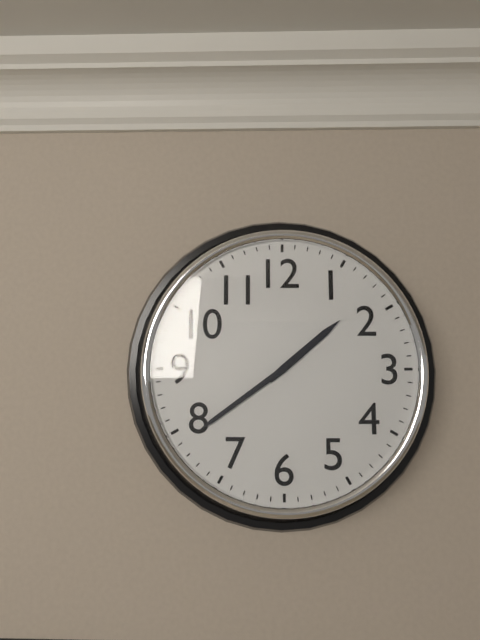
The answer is 1:39
